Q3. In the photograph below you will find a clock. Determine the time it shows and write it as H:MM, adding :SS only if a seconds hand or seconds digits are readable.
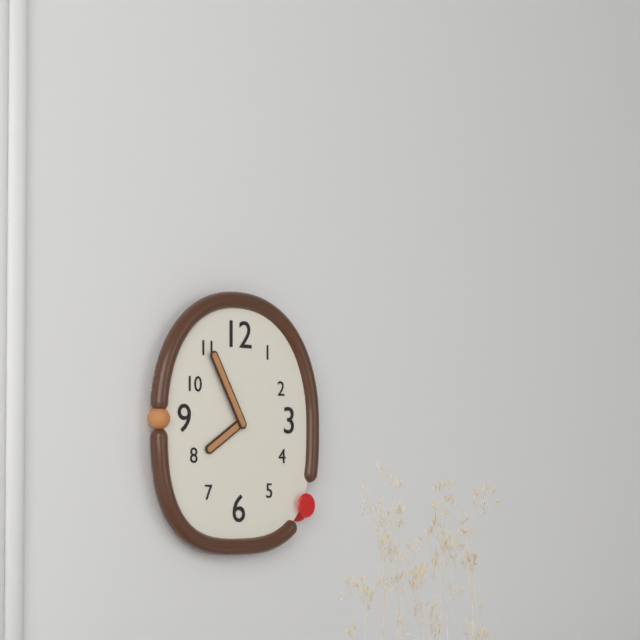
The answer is 7:55
